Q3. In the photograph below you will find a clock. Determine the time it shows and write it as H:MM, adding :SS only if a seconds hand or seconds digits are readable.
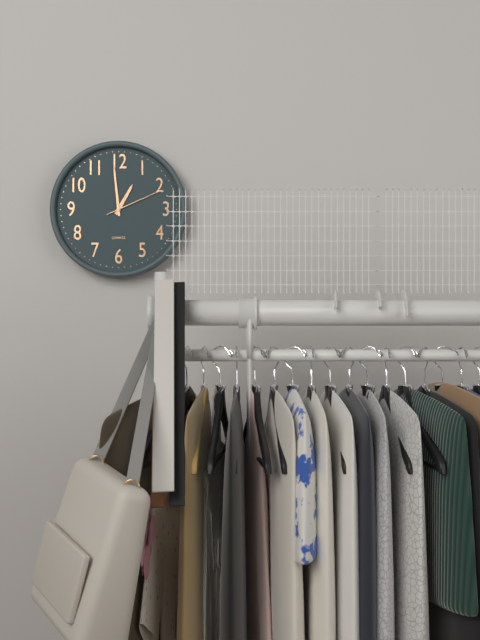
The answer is 12:59:11
